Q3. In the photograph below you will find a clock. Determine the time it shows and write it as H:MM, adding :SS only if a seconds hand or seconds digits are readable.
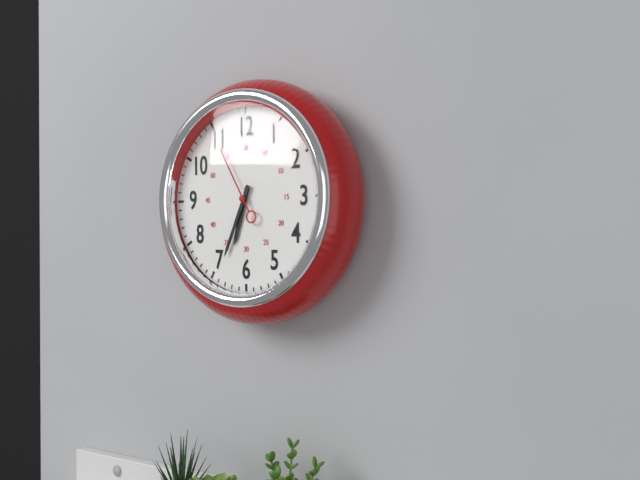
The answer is 6:34:55
